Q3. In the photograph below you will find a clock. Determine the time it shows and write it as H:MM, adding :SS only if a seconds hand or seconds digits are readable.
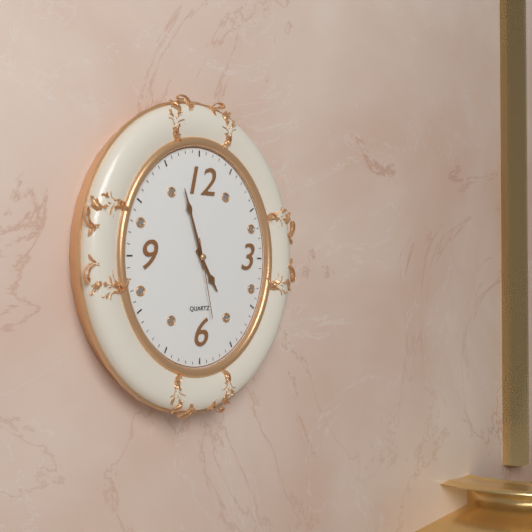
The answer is 4:57:28
